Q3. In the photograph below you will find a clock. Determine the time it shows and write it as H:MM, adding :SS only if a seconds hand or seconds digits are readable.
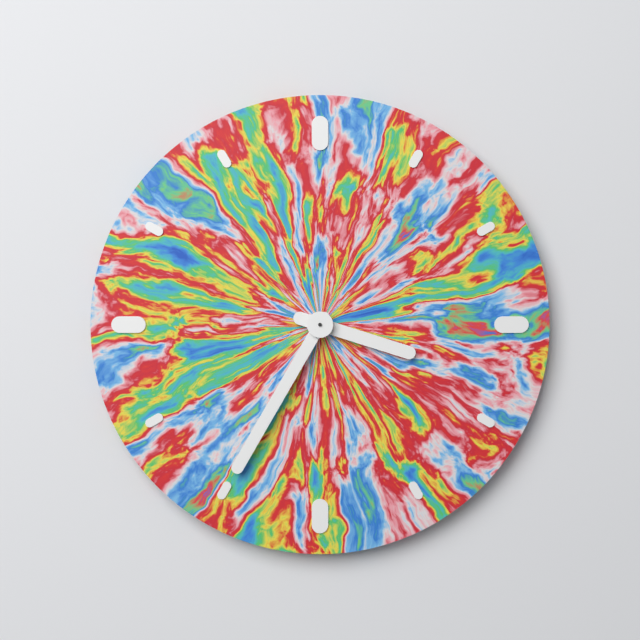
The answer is 3:35
